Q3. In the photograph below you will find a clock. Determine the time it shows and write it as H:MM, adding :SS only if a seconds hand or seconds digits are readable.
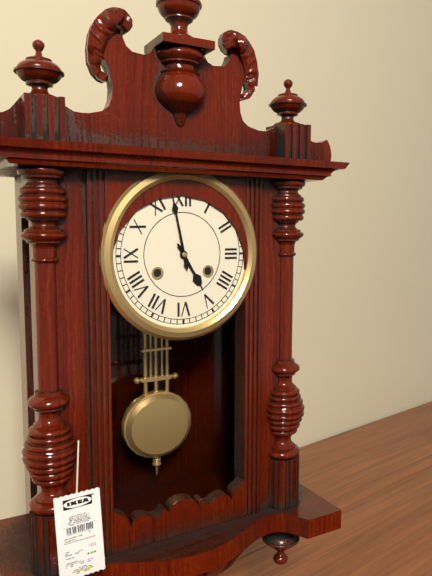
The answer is 4:58
